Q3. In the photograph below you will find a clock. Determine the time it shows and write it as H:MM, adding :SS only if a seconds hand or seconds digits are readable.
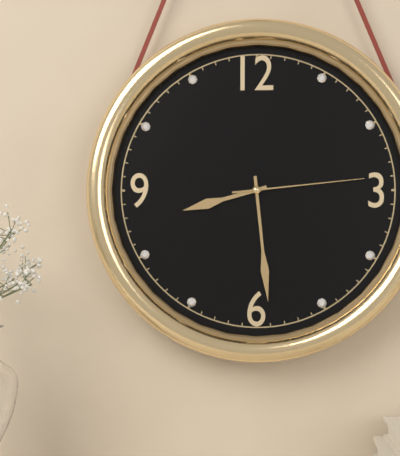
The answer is 8:29:14
